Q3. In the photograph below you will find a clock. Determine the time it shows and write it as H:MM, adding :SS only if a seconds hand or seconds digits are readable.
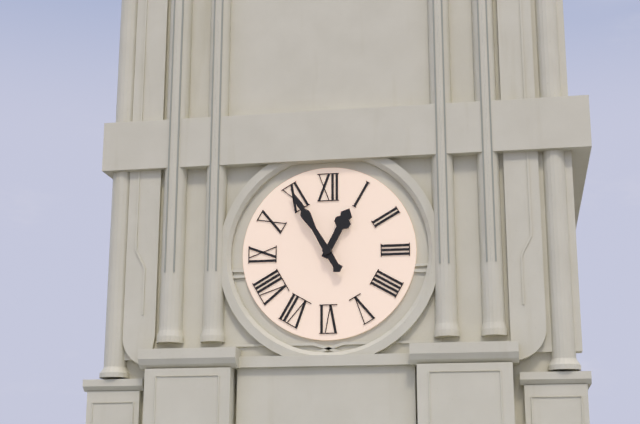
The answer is 12:55
